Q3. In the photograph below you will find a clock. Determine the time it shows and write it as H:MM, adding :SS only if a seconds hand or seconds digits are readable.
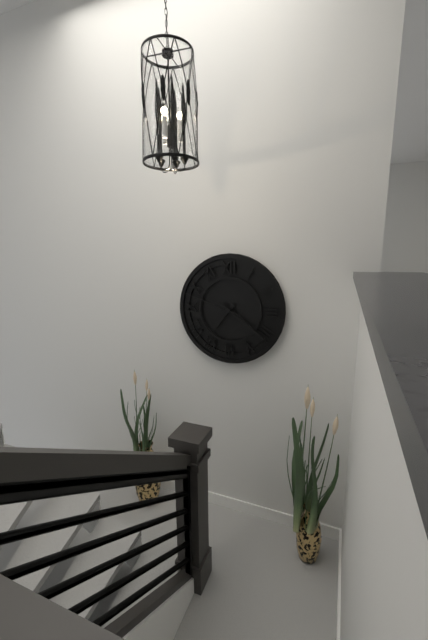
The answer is 7:21:48
